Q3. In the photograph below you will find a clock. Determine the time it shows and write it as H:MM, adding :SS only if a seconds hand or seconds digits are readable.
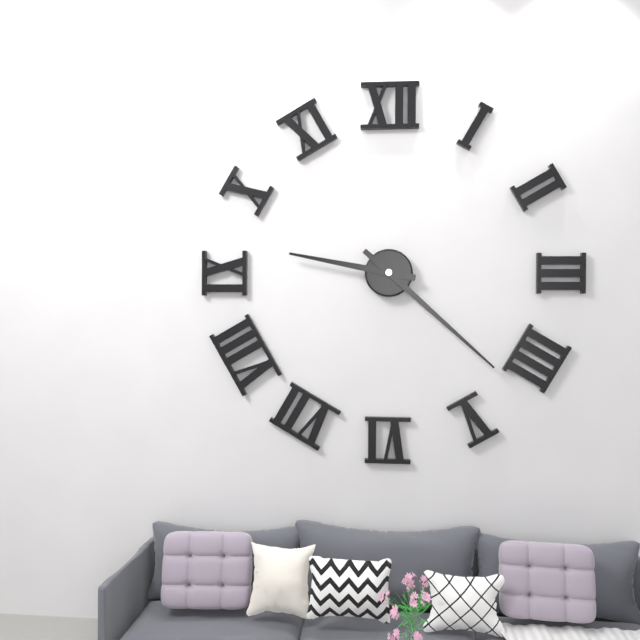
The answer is 9:22
